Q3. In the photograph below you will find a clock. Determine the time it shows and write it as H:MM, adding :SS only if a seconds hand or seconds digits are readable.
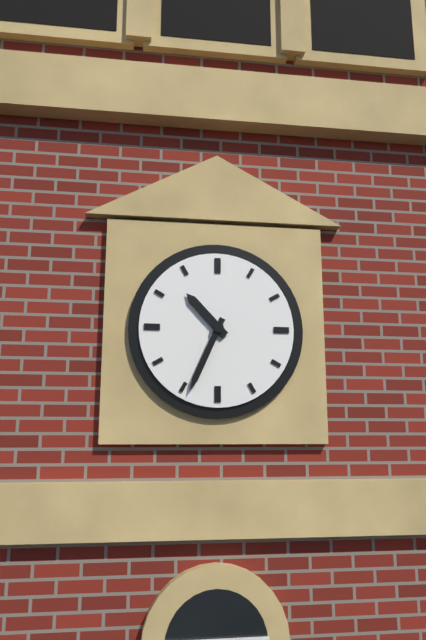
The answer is 10:34
